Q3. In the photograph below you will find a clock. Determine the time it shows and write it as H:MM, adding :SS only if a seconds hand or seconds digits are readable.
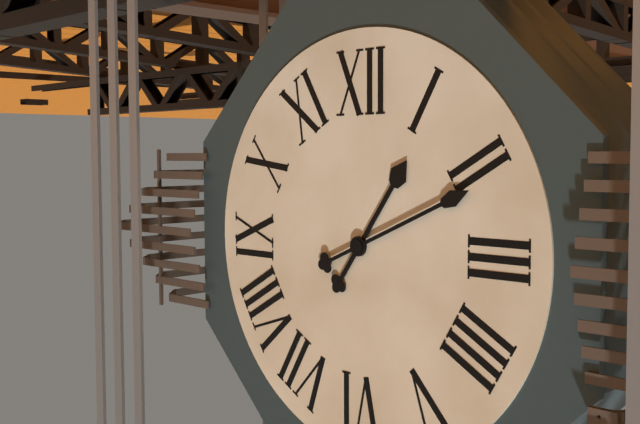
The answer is 1:11
